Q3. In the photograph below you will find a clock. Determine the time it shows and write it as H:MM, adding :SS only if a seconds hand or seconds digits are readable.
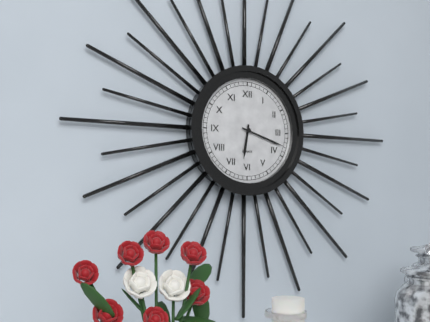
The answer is 6:18
